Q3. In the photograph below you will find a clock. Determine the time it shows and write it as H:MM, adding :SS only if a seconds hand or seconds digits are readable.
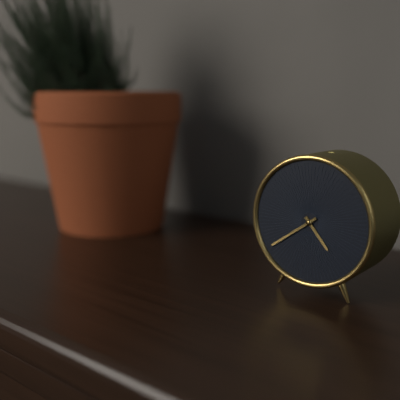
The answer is 4:39
